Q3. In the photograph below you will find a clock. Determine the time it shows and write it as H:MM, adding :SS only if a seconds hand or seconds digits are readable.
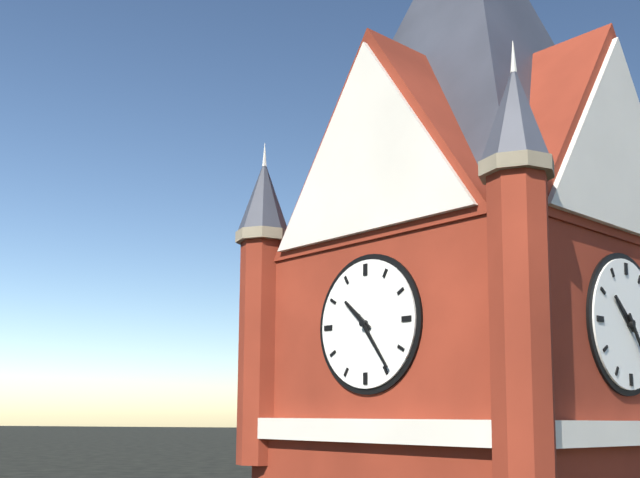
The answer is 10:24
